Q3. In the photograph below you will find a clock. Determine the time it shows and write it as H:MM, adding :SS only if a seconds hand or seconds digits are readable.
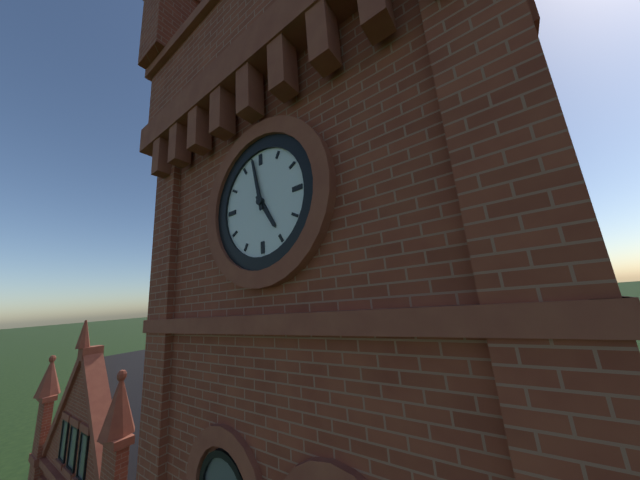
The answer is 4:58
